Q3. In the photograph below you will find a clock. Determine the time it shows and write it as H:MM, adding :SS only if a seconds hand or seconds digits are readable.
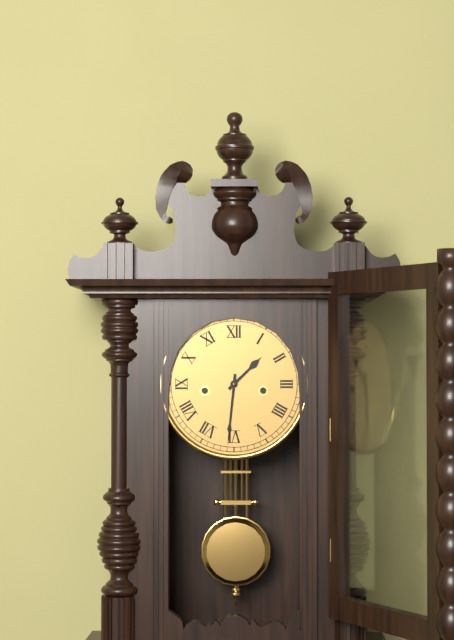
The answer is 1:31
